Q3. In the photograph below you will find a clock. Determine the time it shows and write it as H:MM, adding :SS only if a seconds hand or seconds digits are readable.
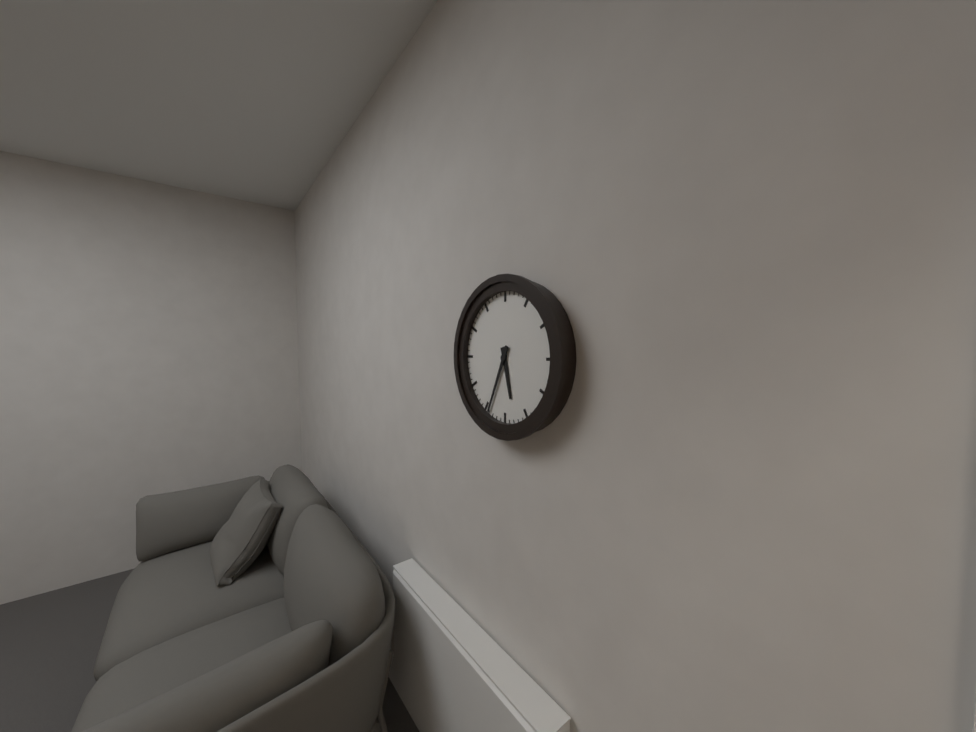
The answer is 5:34
